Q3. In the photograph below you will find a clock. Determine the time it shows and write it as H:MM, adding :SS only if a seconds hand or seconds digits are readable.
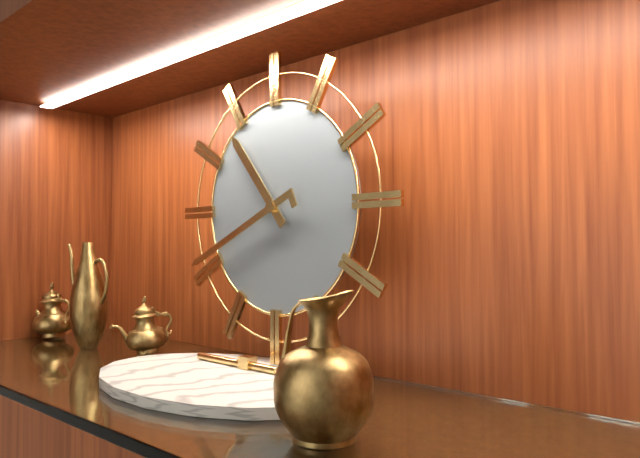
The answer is 10:41
